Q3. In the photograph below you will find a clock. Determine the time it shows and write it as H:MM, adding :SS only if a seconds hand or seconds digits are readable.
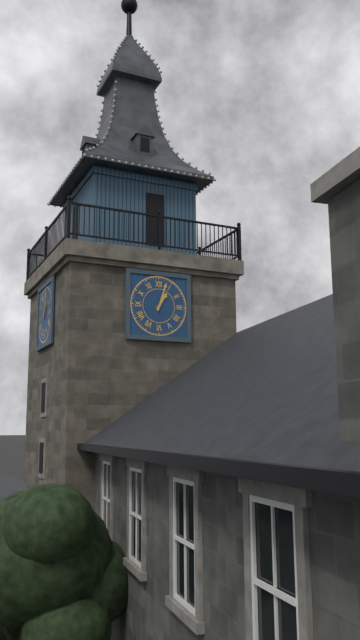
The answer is 1:03
